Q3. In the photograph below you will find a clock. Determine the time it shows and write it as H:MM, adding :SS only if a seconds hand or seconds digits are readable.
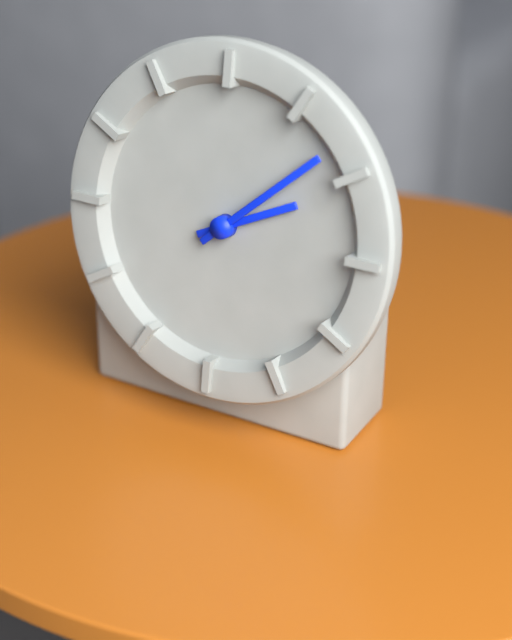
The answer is 2:08
